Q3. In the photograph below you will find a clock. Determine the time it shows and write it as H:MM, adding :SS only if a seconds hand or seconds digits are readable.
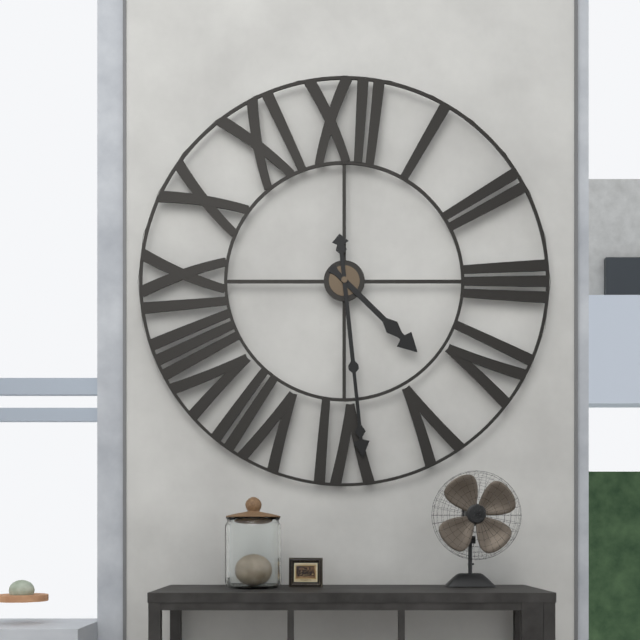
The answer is 4:29
